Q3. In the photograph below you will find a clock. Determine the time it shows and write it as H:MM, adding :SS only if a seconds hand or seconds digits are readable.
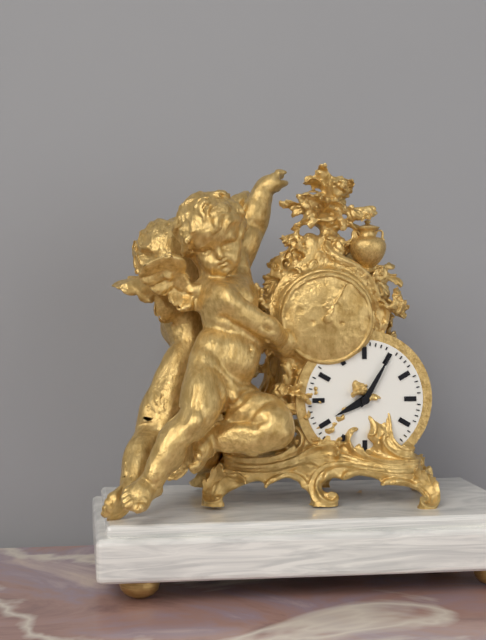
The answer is 8:05
